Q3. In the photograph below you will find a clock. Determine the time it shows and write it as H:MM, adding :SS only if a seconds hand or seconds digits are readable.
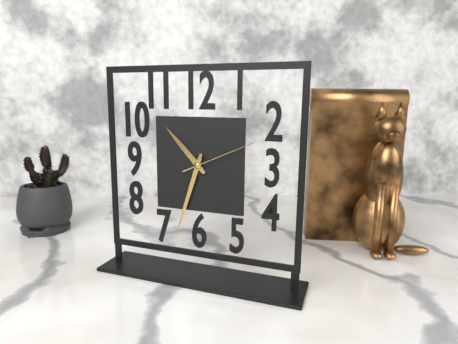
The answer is 10:33:11
